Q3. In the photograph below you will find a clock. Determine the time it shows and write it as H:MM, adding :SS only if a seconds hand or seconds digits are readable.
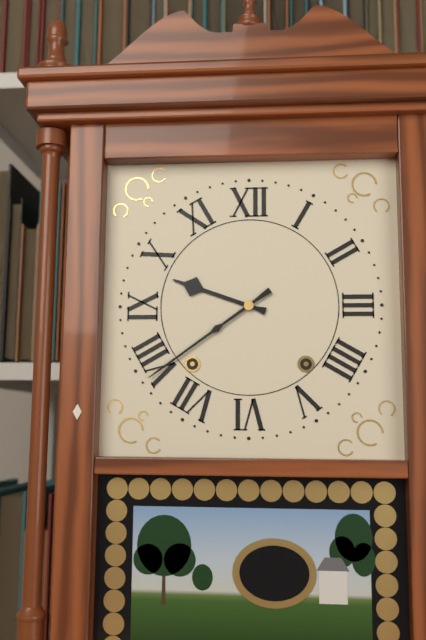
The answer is 9:39
